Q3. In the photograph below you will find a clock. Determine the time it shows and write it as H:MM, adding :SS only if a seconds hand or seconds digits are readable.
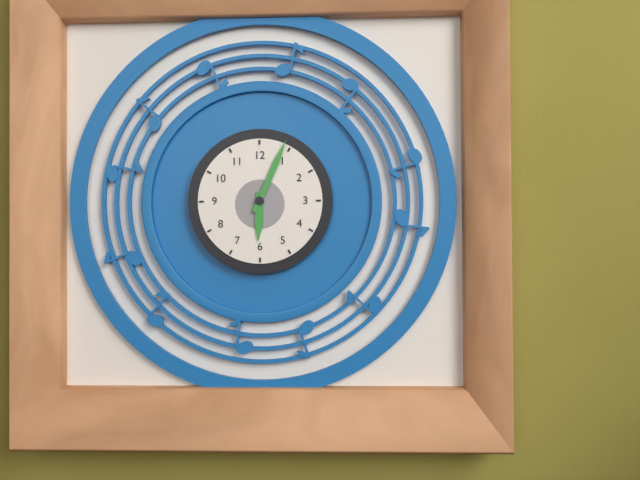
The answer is 6:04
